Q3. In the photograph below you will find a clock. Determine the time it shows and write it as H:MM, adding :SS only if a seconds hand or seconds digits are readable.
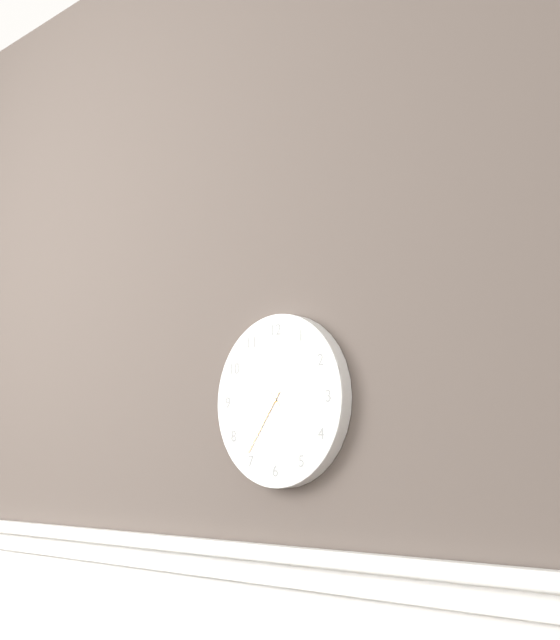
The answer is 10:36
